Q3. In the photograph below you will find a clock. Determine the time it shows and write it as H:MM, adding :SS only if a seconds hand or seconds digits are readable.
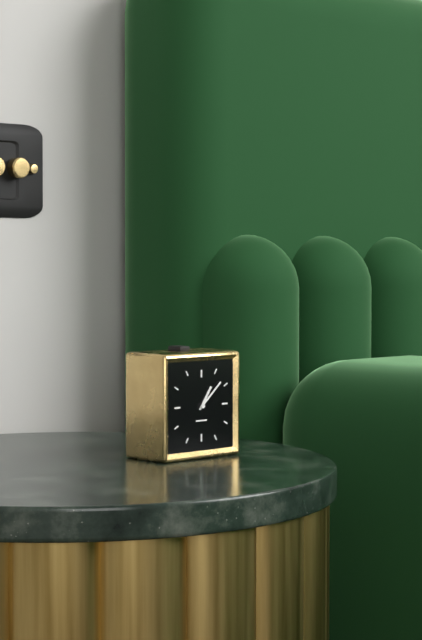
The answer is 1:08
